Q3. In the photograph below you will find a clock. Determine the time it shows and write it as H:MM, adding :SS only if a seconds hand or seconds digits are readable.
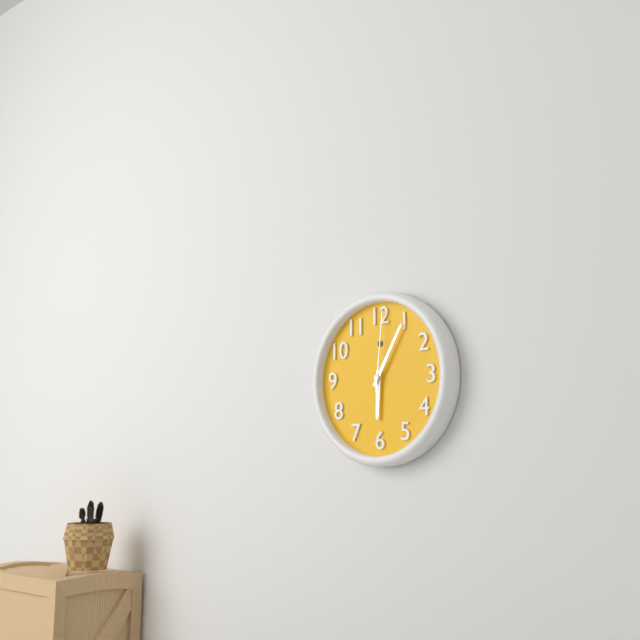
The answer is 6:05:01
